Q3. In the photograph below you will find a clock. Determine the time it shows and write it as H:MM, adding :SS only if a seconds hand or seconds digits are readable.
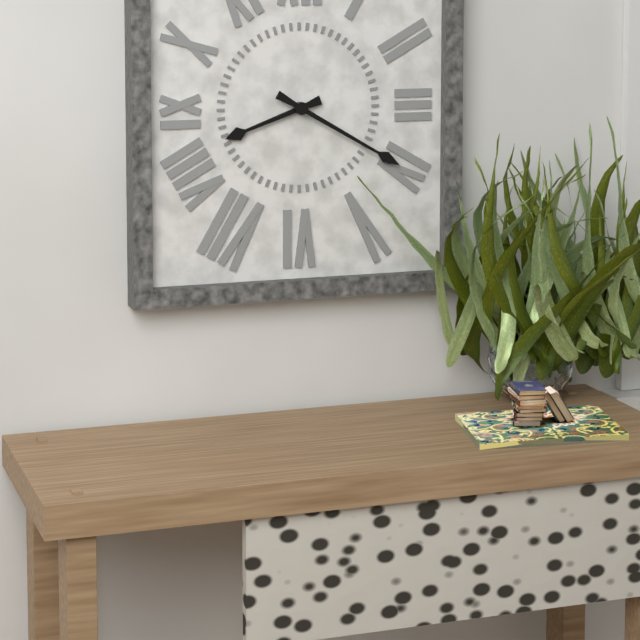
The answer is 8:20
